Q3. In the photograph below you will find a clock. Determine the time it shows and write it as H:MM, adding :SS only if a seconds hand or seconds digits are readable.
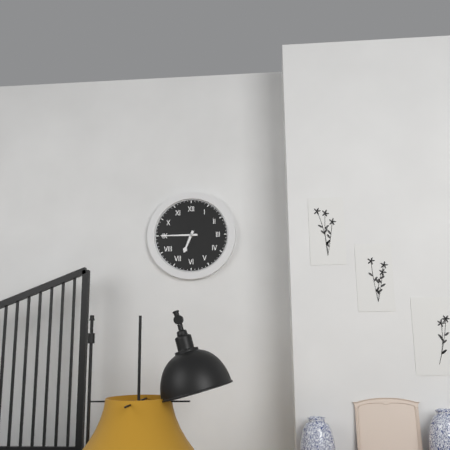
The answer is 6:45
